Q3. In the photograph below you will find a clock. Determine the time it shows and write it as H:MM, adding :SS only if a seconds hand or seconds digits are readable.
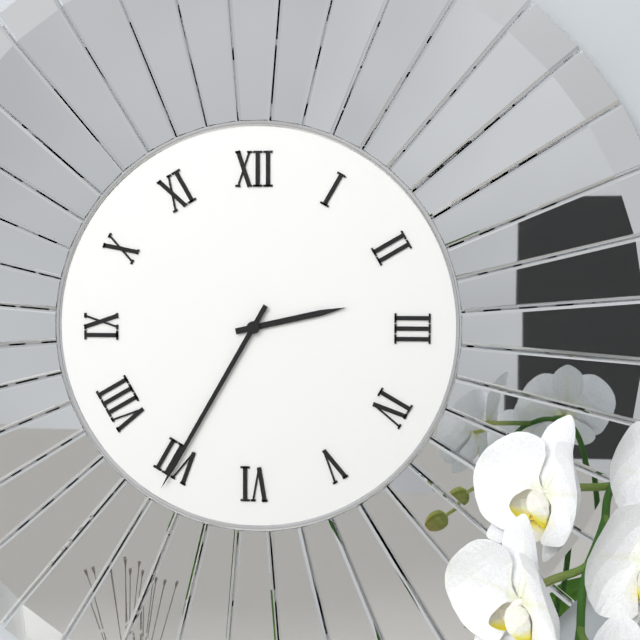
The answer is 2:35
